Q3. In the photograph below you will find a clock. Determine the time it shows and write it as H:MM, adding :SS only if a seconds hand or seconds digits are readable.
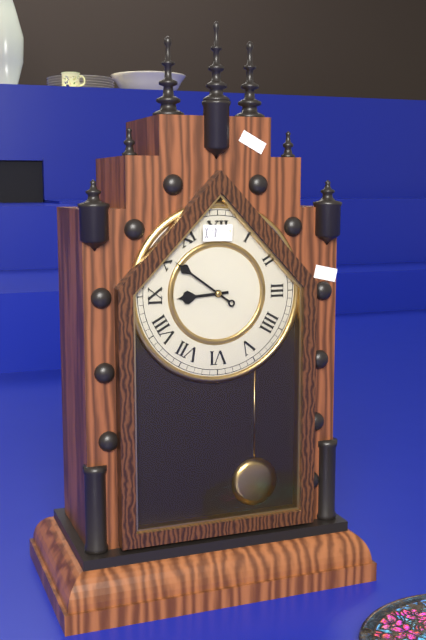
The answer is 8:51
